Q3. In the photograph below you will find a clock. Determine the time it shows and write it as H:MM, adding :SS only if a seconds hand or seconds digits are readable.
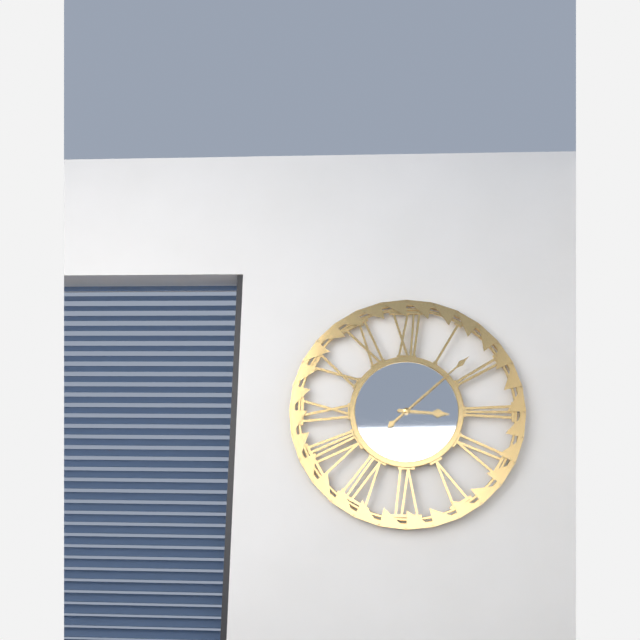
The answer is 3:08
